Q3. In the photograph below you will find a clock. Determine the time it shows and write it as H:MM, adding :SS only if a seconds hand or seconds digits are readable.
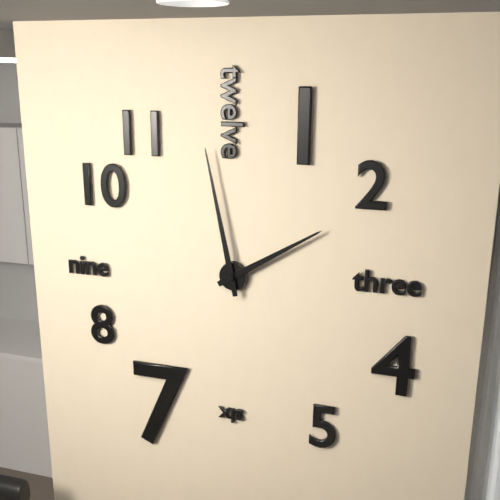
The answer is 1:58
